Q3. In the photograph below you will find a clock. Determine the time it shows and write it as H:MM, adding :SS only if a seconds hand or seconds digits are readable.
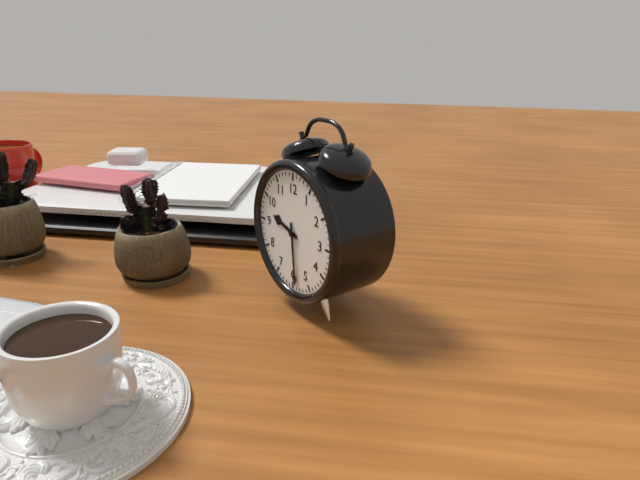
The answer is 9:29
